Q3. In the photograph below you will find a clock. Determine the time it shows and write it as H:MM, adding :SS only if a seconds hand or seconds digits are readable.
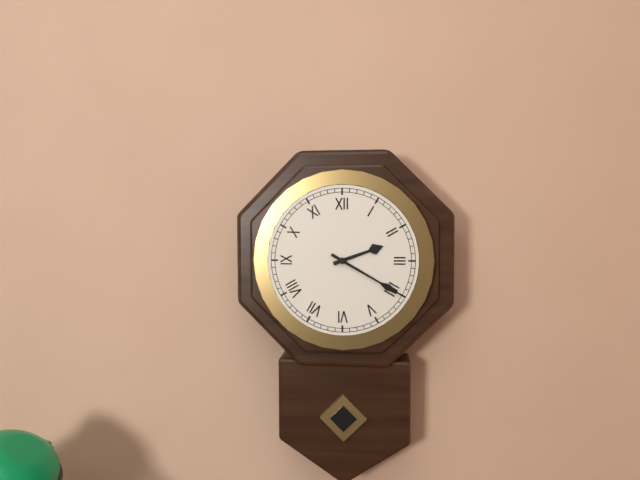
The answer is 2:20
